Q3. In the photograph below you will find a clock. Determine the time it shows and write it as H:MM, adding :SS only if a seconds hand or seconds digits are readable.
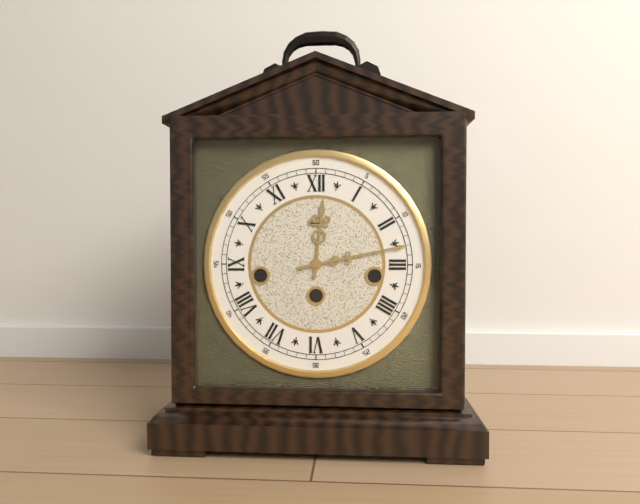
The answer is 12:13
